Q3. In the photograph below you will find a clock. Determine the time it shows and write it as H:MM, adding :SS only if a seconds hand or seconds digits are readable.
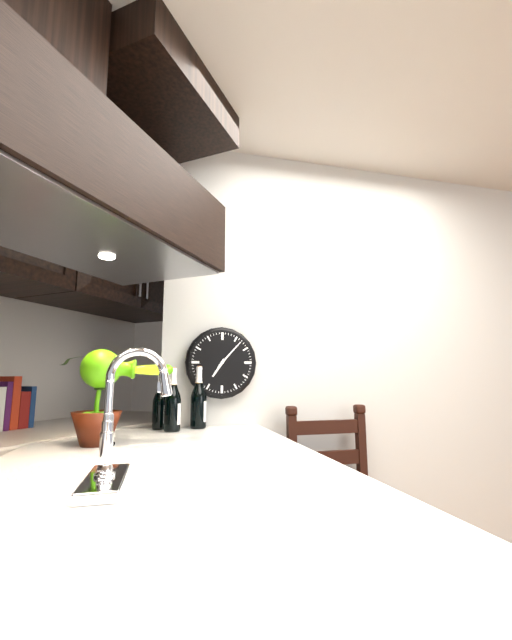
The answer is 7:07
